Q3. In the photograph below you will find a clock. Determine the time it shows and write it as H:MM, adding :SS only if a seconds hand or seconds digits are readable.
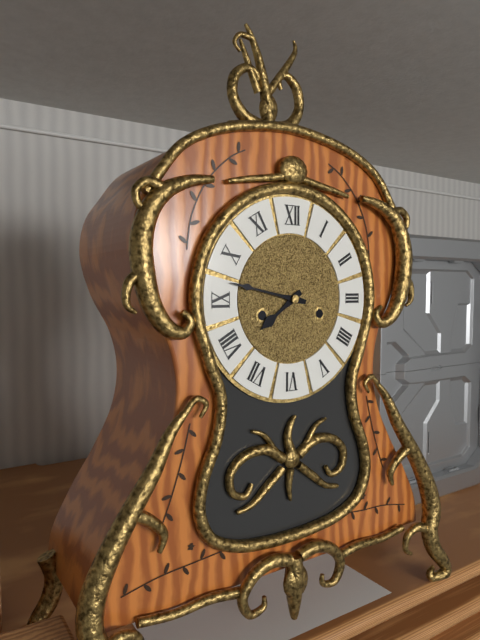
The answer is 7:47
